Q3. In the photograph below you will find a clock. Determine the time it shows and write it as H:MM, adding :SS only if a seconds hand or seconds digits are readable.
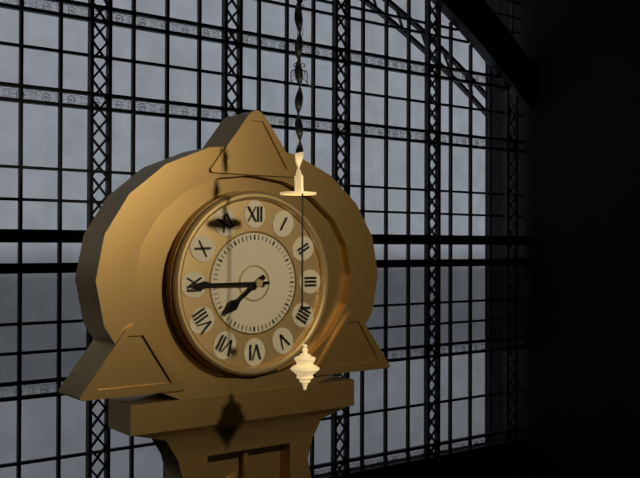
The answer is 7:45
